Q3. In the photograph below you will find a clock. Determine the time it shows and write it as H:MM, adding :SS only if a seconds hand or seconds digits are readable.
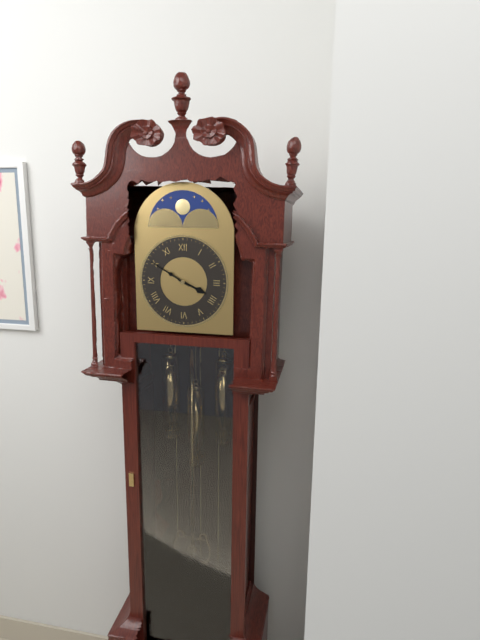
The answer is 3:50
